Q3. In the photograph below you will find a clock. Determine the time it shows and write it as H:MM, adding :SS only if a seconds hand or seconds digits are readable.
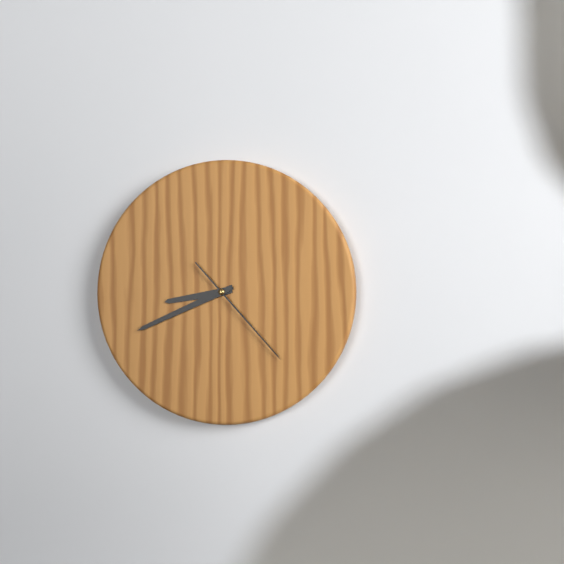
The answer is 8:41:23
